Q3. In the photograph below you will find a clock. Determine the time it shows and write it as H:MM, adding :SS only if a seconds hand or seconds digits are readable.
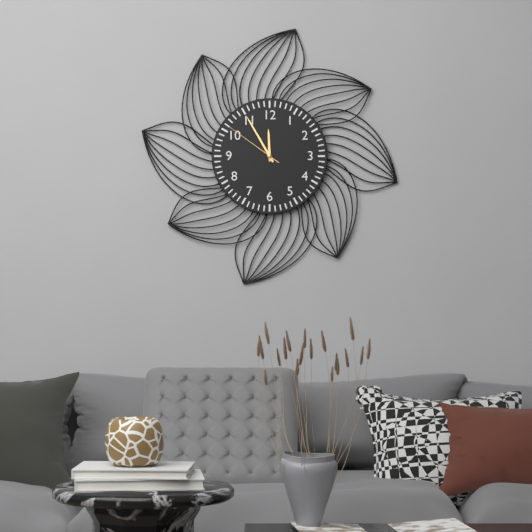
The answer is 11:55:51
